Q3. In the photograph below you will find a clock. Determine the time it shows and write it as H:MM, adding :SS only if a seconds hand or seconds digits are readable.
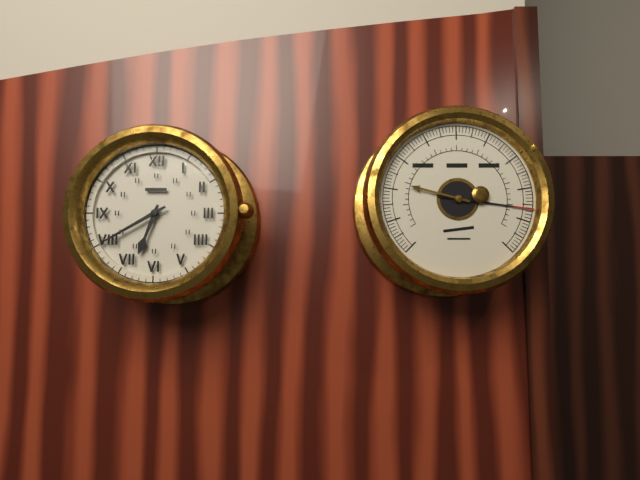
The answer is 6:40
